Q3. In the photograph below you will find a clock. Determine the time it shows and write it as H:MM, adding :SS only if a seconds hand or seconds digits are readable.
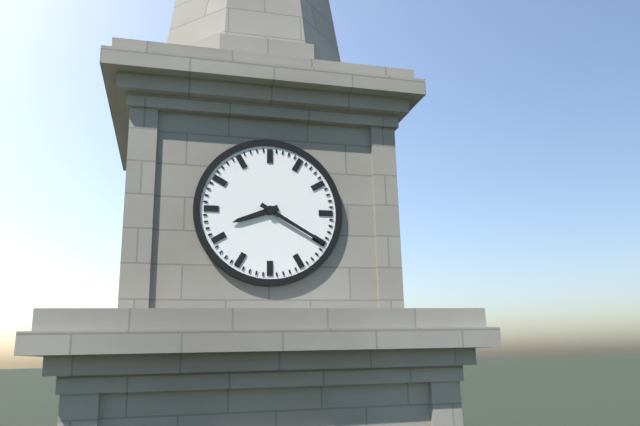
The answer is 8:20
